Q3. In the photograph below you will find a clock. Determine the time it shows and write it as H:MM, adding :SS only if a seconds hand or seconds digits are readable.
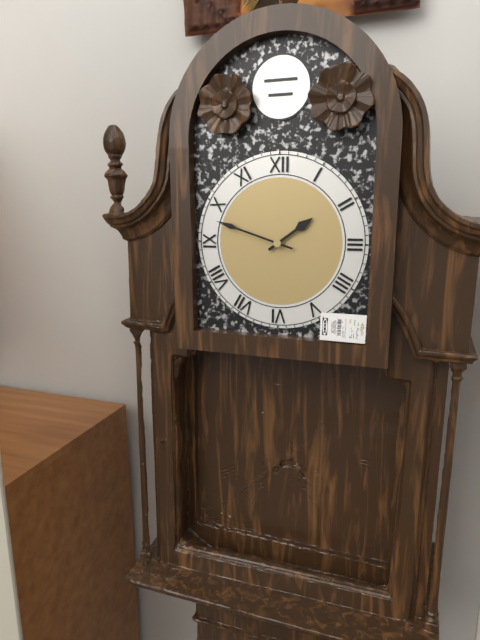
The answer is 1:48
